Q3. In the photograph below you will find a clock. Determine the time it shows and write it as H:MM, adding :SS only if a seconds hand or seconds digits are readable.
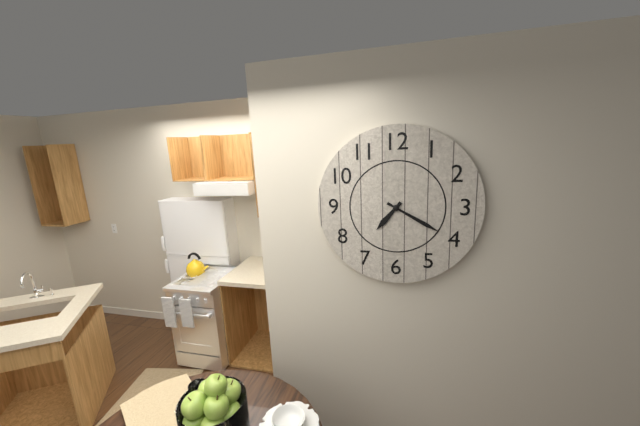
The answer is 7:20
